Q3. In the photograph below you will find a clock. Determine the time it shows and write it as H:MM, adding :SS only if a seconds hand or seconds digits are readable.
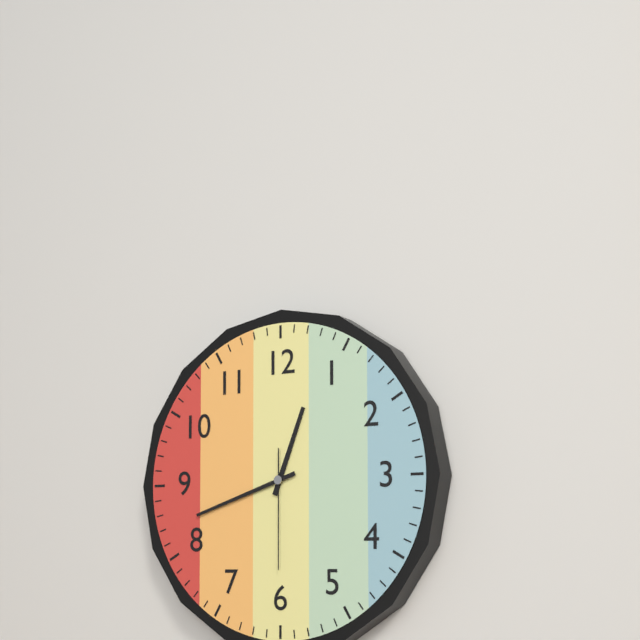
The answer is 12:42:30
